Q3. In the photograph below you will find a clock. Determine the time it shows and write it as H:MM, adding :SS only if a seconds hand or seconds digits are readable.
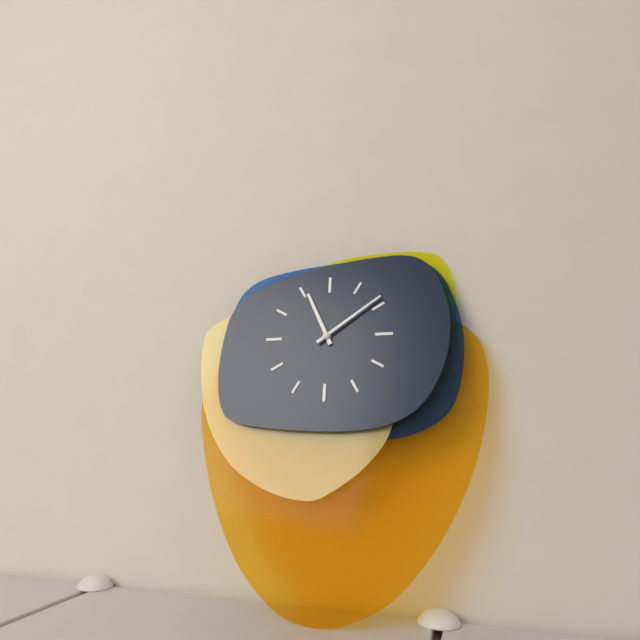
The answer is 11:09
